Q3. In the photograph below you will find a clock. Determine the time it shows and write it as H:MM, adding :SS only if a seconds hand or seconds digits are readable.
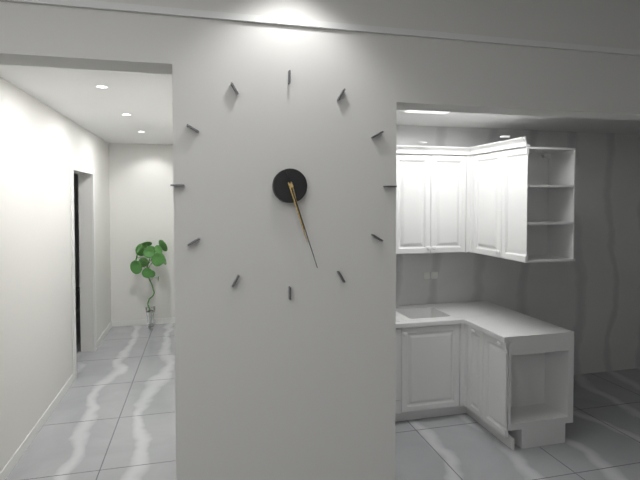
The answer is 5:27
